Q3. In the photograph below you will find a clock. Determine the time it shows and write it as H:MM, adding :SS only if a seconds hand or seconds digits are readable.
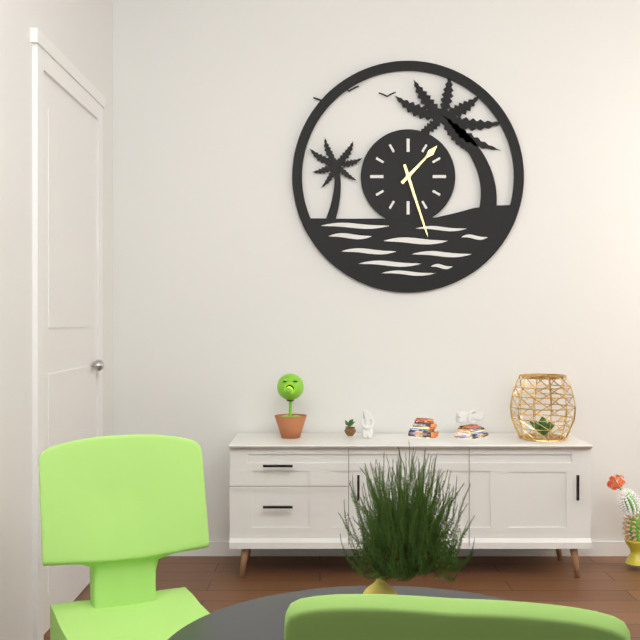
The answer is 1:27
